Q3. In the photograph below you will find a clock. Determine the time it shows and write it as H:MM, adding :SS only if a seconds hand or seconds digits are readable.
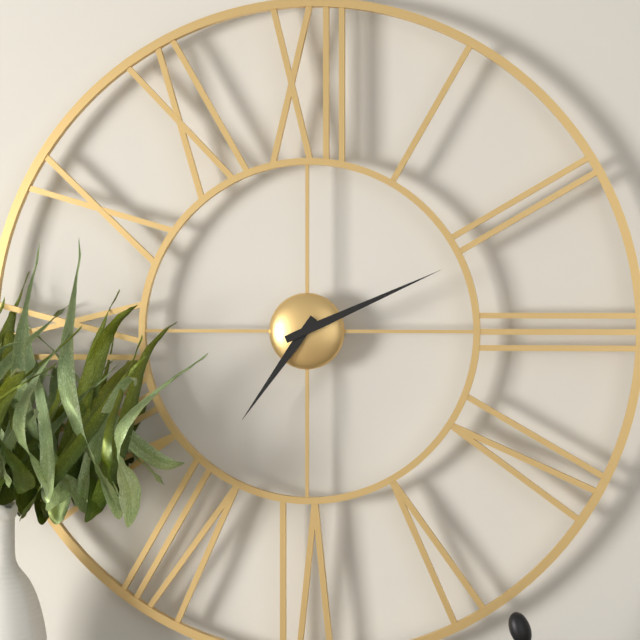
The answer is 7:11
